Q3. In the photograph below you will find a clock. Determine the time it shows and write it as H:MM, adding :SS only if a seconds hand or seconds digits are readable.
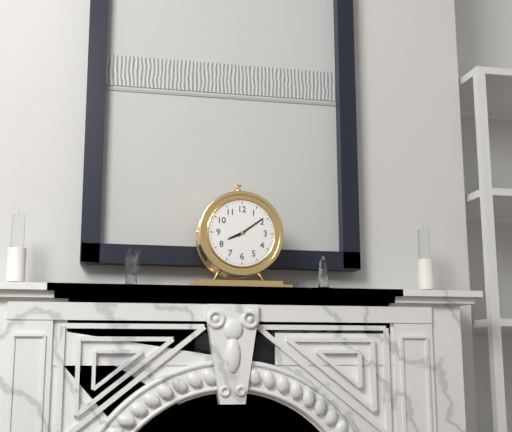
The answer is 8:09
